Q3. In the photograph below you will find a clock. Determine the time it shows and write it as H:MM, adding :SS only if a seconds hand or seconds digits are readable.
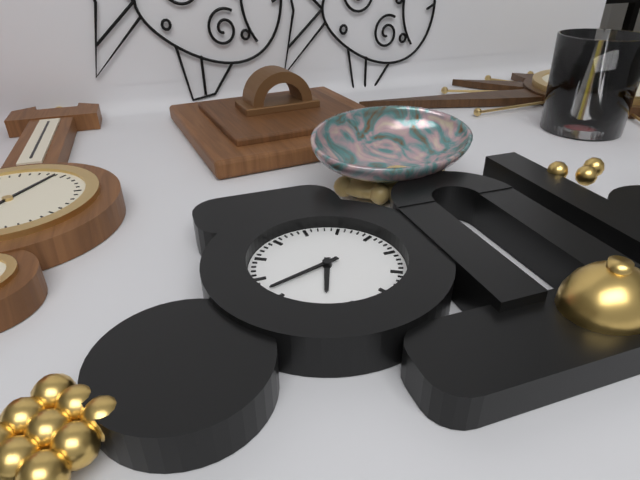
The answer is 6:42
